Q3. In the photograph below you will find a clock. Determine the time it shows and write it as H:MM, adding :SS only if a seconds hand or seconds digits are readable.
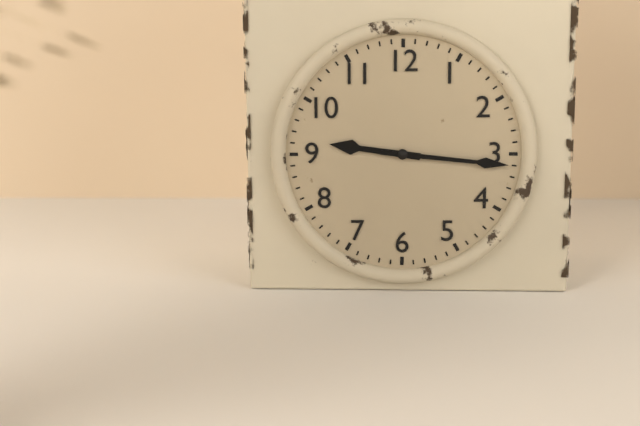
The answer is 9:16
